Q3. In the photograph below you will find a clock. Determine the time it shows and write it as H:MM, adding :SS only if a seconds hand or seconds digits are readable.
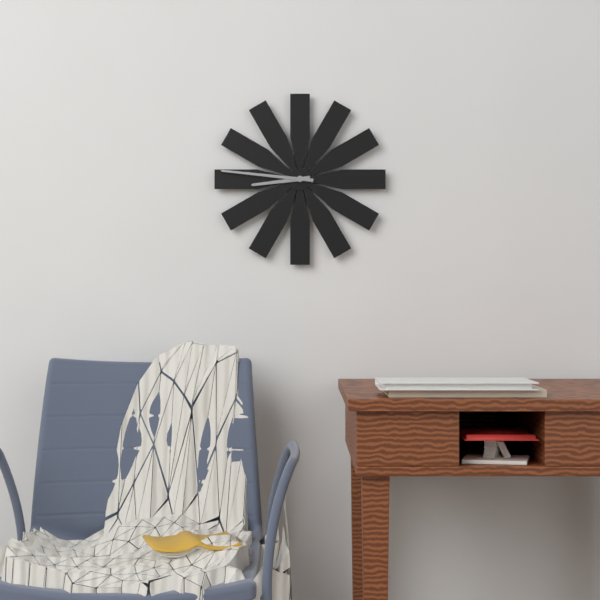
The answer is 8:46
